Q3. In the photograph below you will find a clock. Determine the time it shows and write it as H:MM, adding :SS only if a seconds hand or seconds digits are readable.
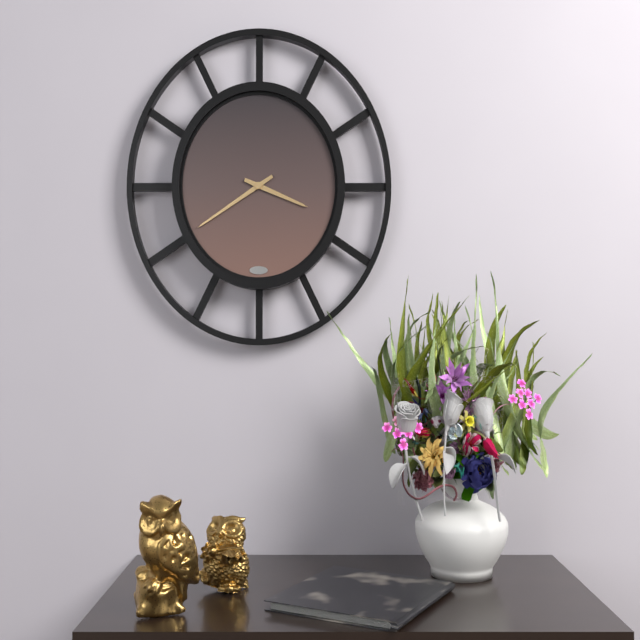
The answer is 3:40
